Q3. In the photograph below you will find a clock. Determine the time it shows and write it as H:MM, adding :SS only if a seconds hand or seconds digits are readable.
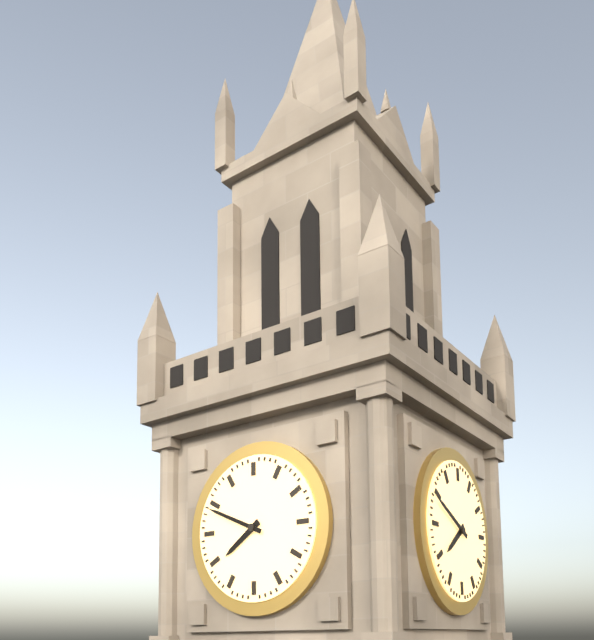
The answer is 7:49
